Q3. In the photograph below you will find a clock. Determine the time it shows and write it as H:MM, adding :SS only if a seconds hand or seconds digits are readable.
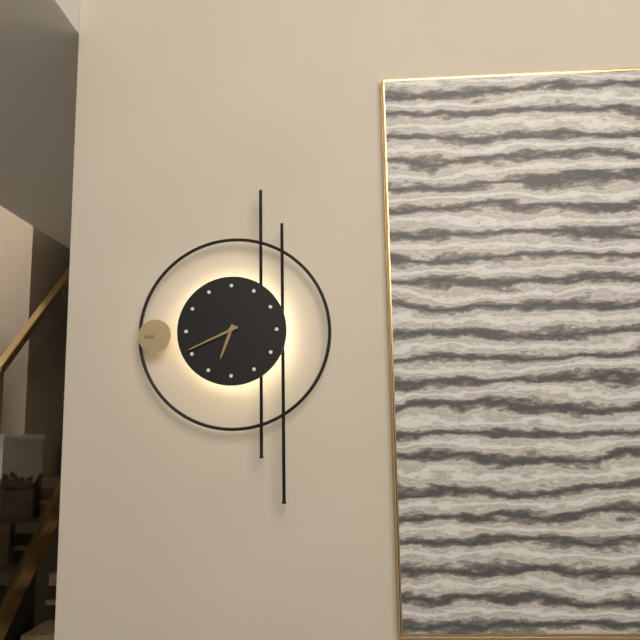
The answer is 6:41
